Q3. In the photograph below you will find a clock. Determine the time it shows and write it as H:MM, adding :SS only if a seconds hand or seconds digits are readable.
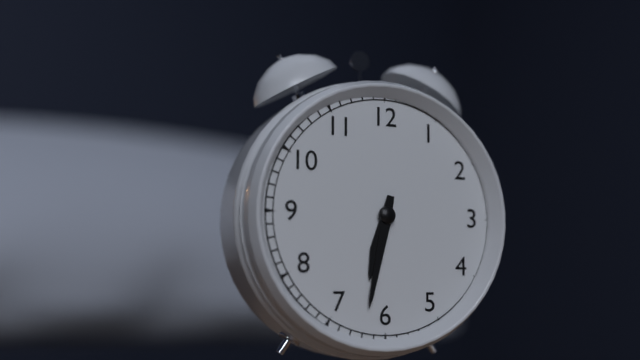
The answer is 6:32
